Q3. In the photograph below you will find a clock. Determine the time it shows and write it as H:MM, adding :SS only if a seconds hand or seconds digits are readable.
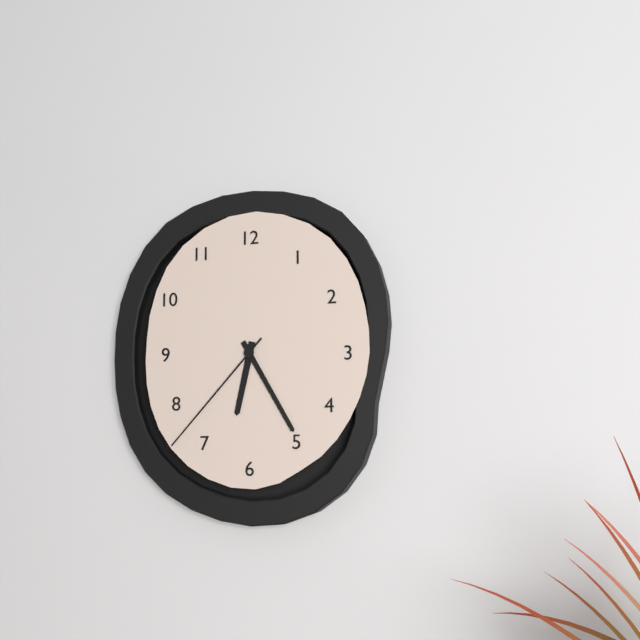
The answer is 6:25:37
